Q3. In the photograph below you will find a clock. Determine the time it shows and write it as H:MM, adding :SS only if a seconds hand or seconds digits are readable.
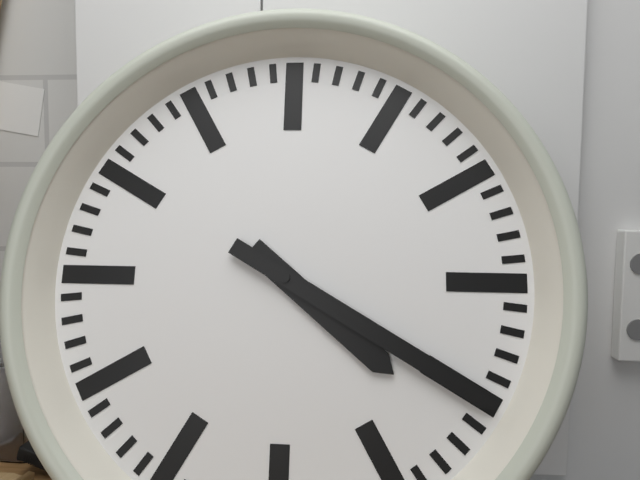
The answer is 4:20
